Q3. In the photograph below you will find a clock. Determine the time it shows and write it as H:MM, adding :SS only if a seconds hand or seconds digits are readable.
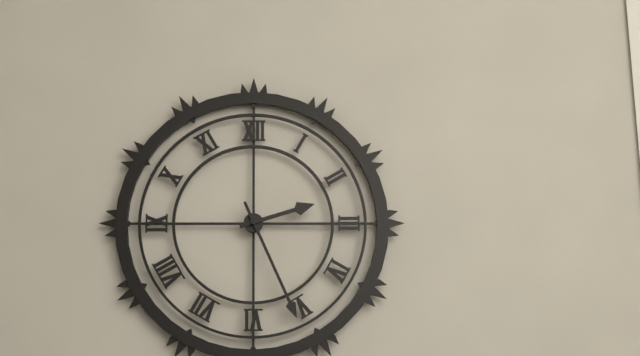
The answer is 2:26
